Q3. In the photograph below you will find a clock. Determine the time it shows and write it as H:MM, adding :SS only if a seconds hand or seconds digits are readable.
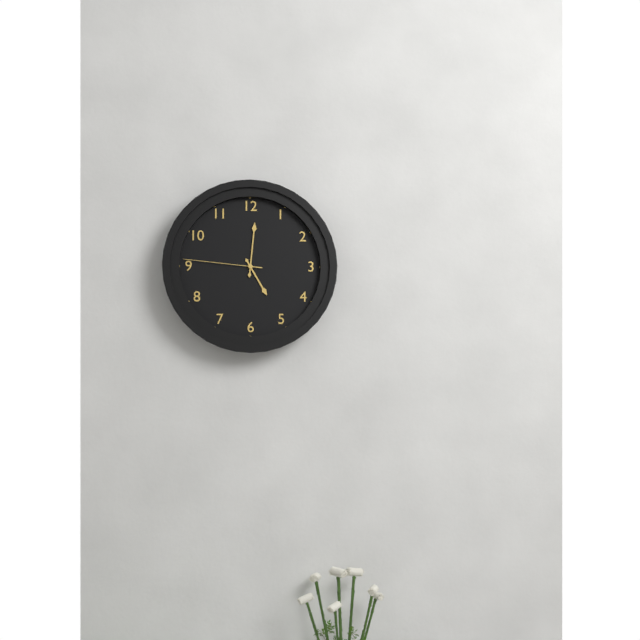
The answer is 5:01:46
